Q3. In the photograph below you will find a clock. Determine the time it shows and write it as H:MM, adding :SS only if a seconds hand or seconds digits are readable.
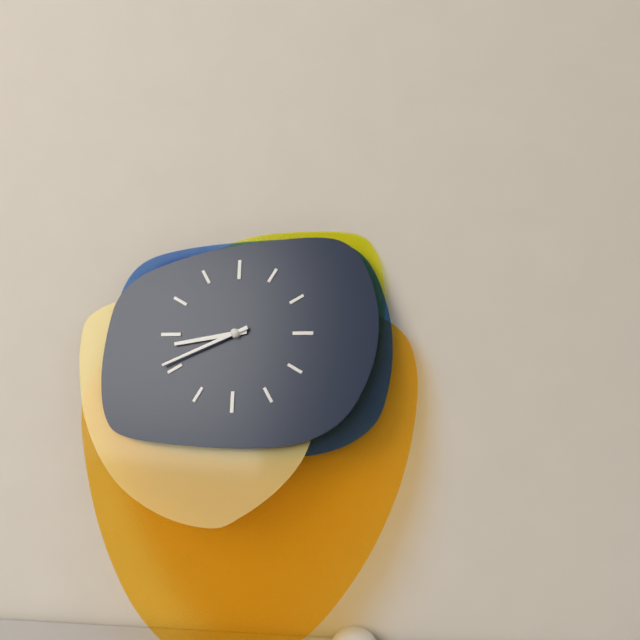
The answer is 8:41
